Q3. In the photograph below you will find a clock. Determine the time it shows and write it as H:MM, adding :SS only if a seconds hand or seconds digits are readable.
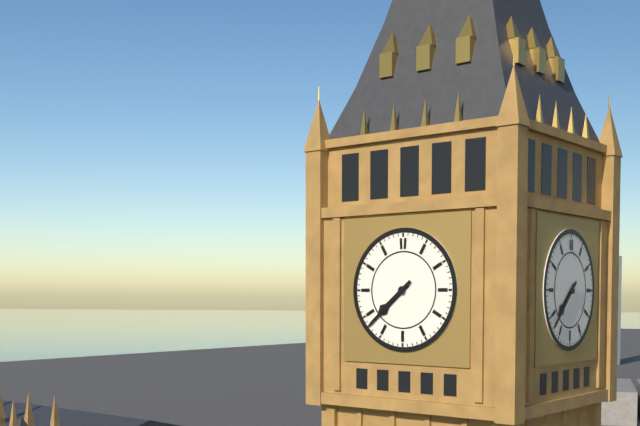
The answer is 7:38
